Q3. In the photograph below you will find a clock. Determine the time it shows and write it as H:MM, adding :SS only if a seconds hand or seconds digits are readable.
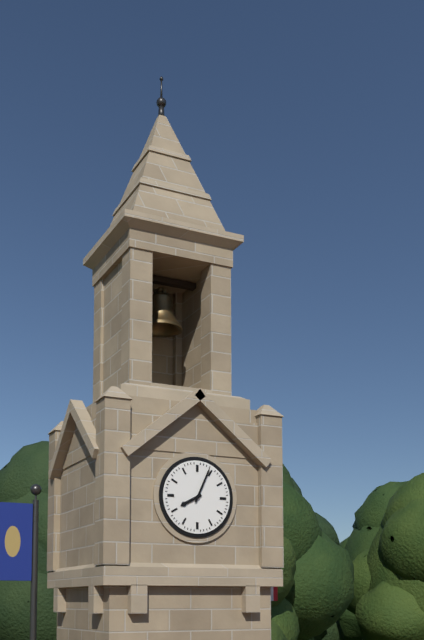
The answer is 8:04
